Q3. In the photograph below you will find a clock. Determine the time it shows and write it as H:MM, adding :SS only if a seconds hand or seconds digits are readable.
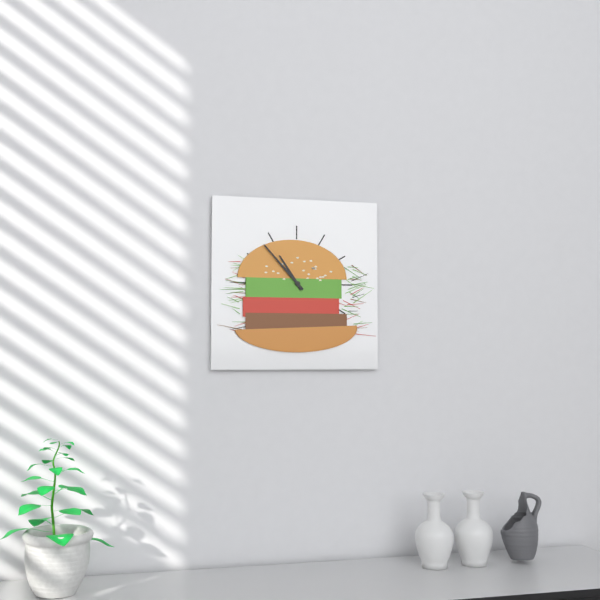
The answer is 10:53
